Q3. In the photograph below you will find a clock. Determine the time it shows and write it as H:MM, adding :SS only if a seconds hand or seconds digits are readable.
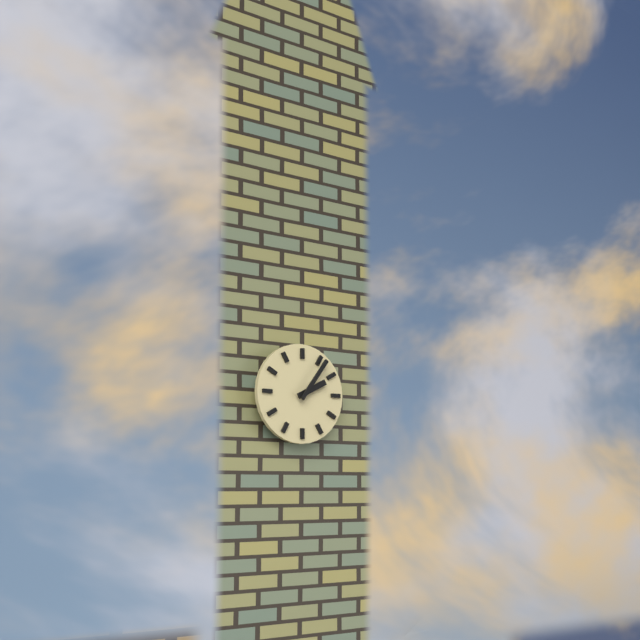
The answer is 2:06
